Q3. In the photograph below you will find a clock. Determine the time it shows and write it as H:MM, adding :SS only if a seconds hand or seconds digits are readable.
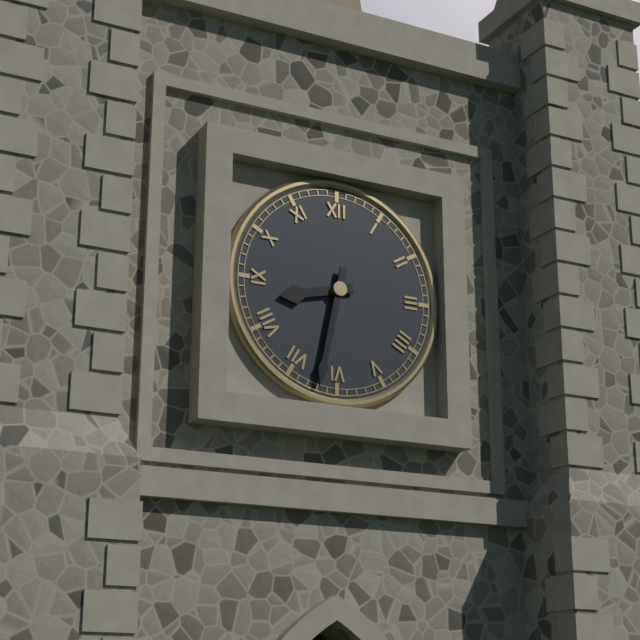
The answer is 8:32
